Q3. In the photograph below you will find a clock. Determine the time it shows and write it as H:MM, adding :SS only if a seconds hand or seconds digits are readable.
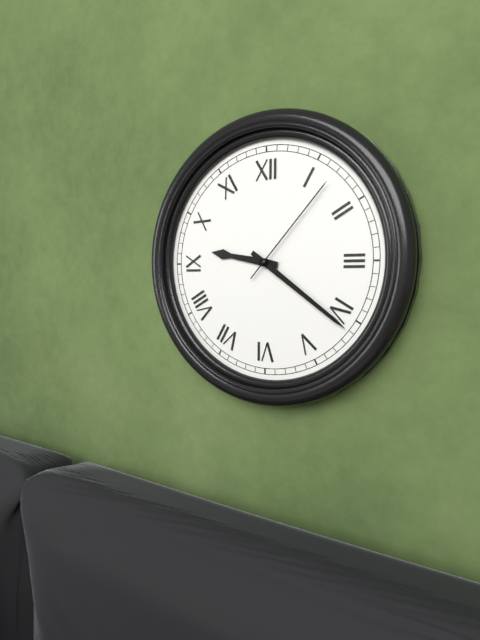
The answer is 9:21:07
